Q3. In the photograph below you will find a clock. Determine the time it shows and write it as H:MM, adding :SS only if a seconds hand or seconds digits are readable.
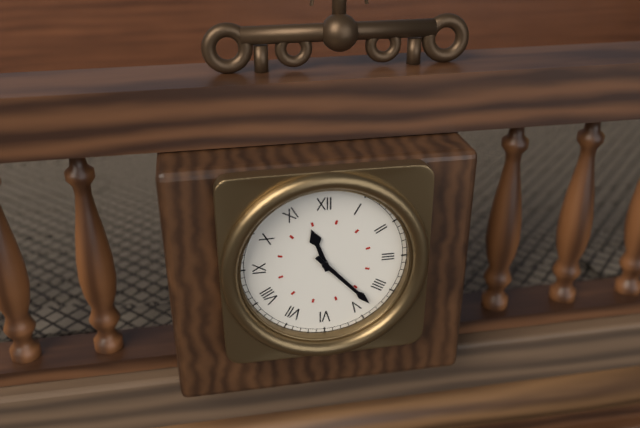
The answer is 11:23
